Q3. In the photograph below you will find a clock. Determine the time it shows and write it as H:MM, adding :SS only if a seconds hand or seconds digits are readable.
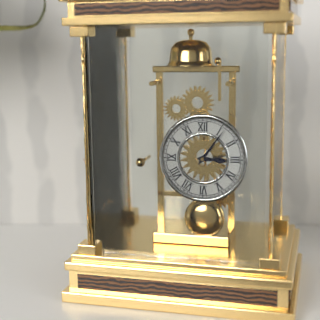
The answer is 3:06
